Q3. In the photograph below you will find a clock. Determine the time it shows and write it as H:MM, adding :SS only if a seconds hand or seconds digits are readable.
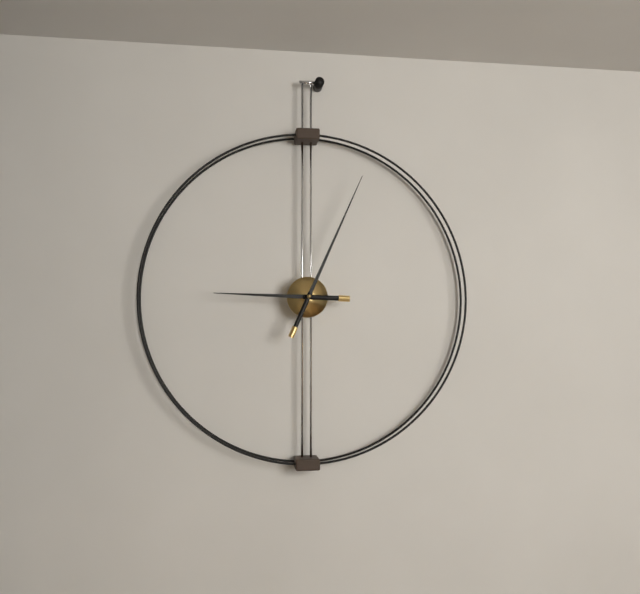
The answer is 9:04
